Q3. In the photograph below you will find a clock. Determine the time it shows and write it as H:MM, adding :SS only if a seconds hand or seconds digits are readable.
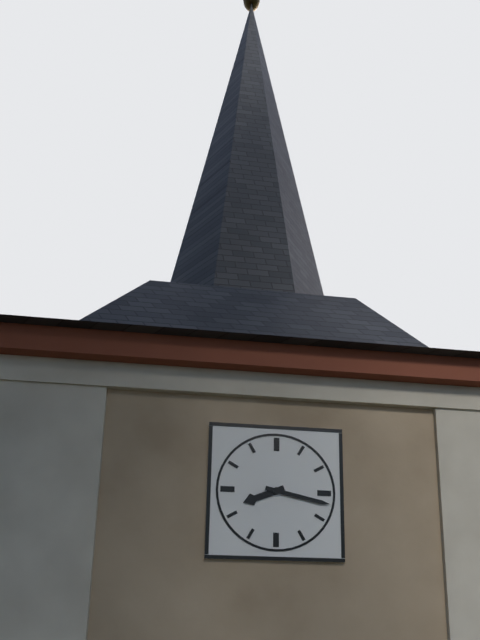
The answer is 8:17
